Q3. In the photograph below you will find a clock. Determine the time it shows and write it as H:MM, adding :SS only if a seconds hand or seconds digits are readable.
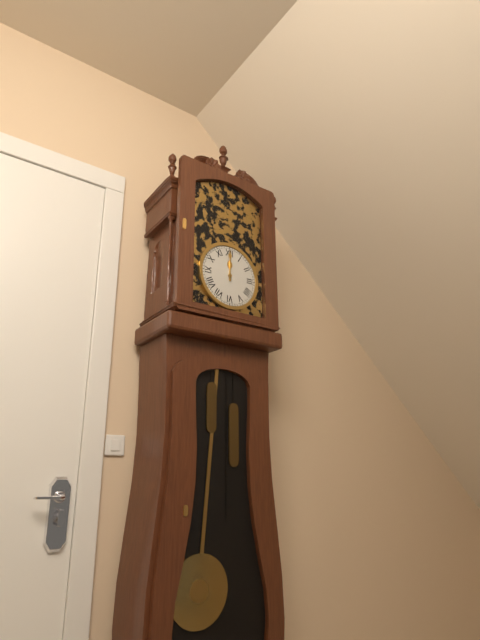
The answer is 12:00
